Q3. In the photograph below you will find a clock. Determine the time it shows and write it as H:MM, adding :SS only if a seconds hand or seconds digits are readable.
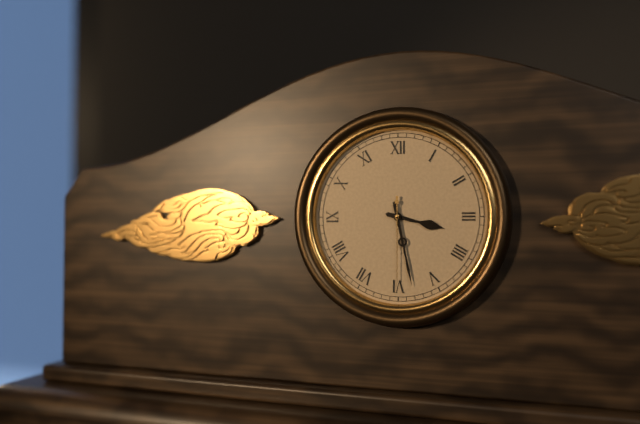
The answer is 3:28:30
